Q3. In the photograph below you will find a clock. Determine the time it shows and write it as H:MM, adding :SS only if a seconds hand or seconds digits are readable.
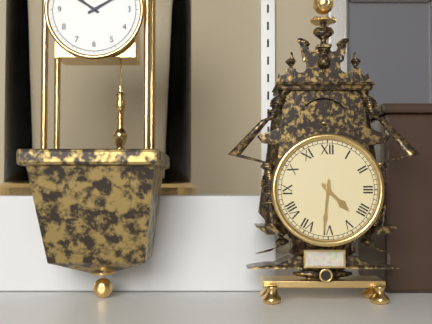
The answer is 4:31
